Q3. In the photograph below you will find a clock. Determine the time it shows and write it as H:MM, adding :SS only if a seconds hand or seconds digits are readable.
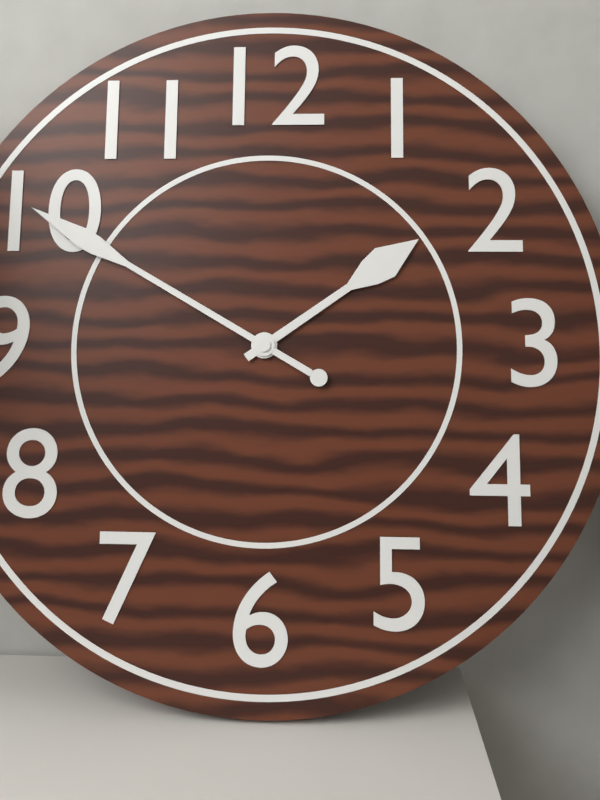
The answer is 1:50
